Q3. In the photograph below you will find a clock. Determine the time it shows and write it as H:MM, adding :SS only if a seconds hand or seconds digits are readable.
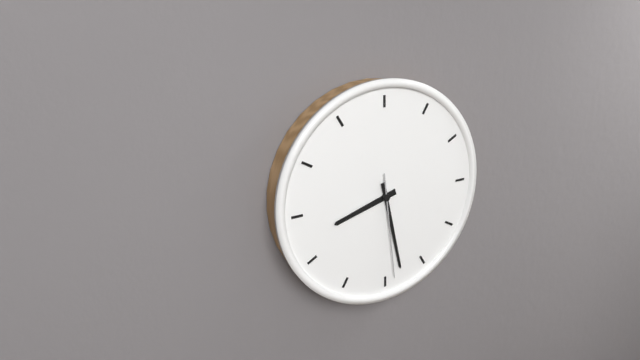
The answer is 8:28:29
